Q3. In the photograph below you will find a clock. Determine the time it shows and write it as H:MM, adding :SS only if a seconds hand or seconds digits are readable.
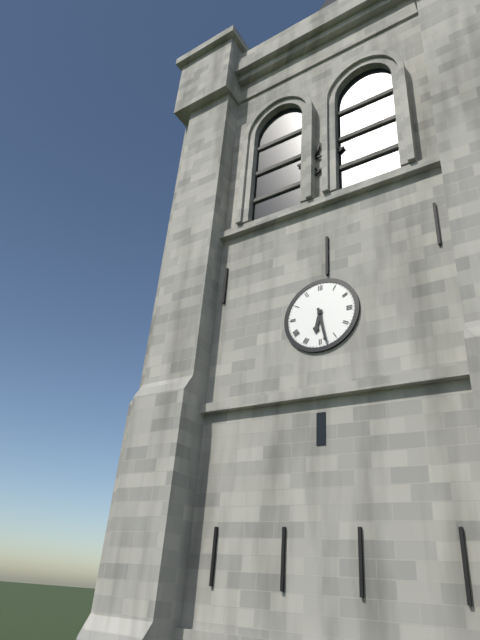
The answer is 6:28
